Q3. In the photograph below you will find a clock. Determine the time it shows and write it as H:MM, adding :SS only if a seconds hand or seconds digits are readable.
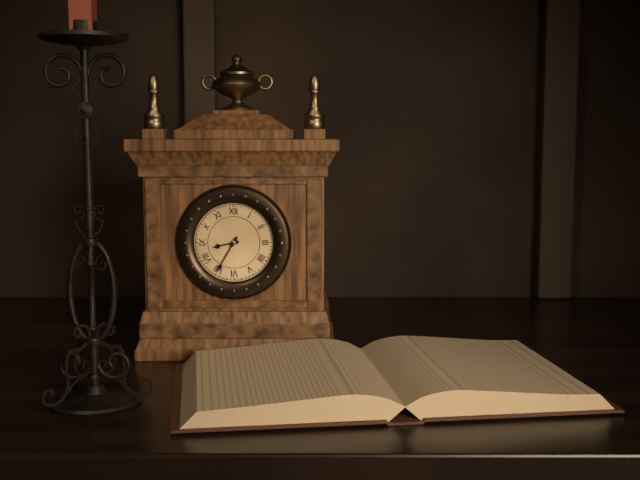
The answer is 8:35
